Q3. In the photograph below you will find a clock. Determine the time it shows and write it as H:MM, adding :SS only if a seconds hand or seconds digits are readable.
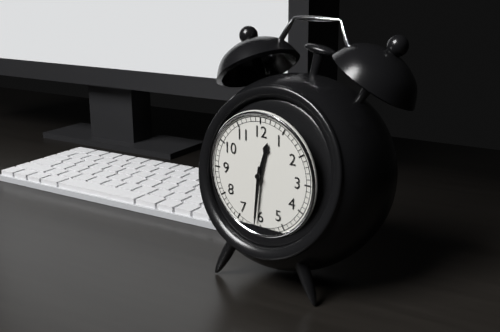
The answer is 12:31
